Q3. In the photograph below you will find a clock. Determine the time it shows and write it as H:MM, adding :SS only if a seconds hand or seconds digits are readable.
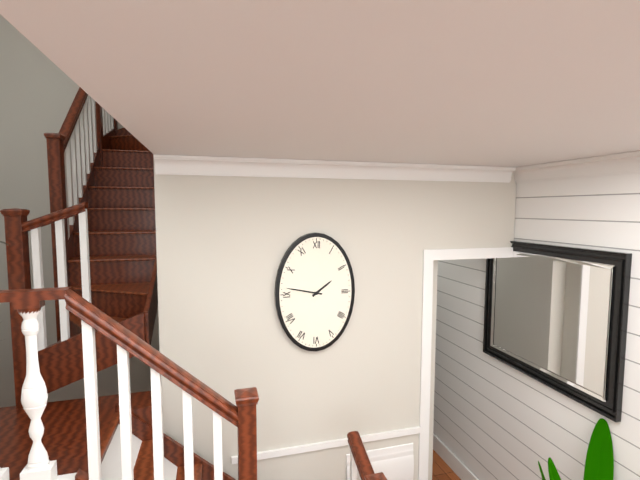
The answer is 1:47
